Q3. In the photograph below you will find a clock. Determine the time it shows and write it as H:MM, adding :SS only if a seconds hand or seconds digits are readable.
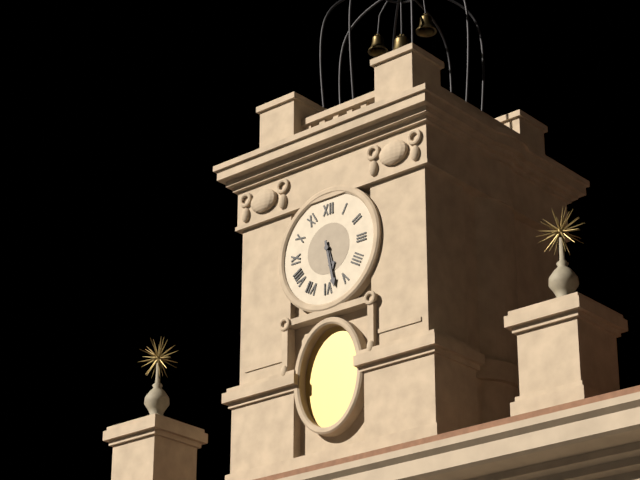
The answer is 5:28
